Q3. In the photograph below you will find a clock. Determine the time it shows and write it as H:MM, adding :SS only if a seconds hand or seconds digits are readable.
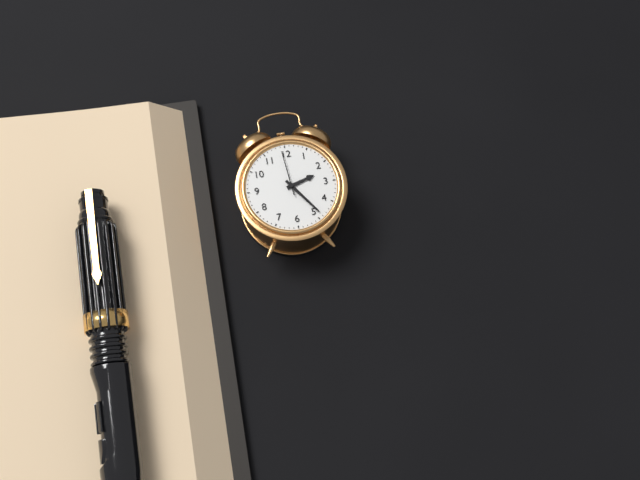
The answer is 2:24
